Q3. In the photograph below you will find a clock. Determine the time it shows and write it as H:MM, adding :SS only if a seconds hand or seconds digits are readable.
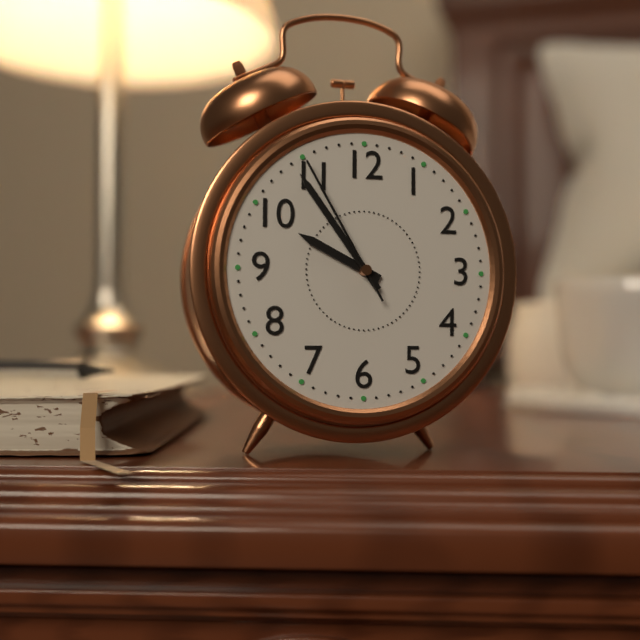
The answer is 9:54:55
